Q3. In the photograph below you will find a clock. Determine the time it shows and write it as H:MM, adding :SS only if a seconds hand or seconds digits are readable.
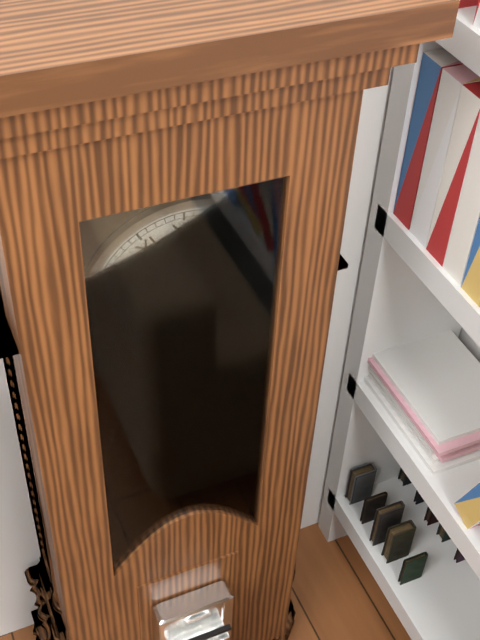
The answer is 12:33
